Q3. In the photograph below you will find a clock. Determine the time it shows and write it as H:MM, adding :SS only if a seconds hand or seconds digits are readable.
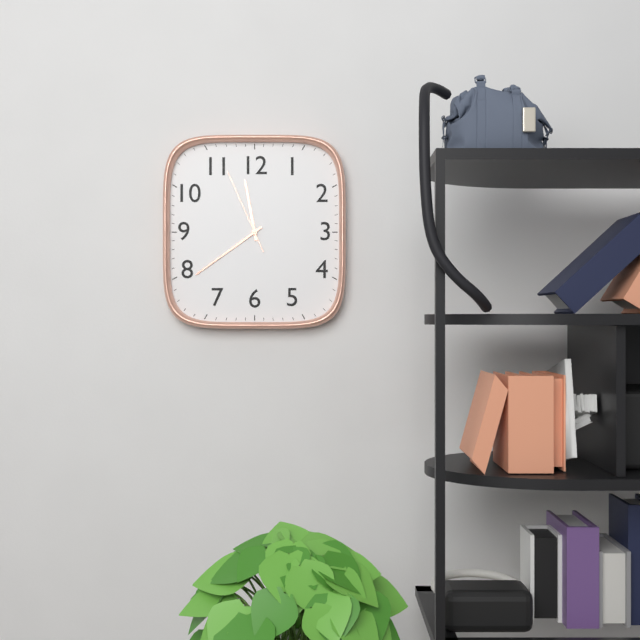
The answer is 11:39:56
